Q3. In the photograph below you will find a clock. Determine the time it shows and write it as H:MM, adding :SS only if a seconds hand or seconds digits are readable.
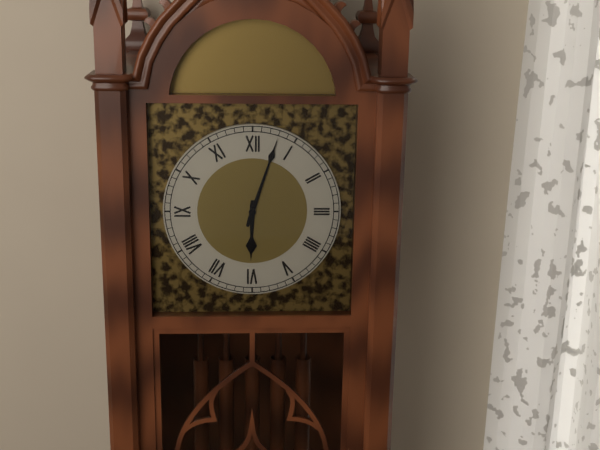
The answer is 6:03
